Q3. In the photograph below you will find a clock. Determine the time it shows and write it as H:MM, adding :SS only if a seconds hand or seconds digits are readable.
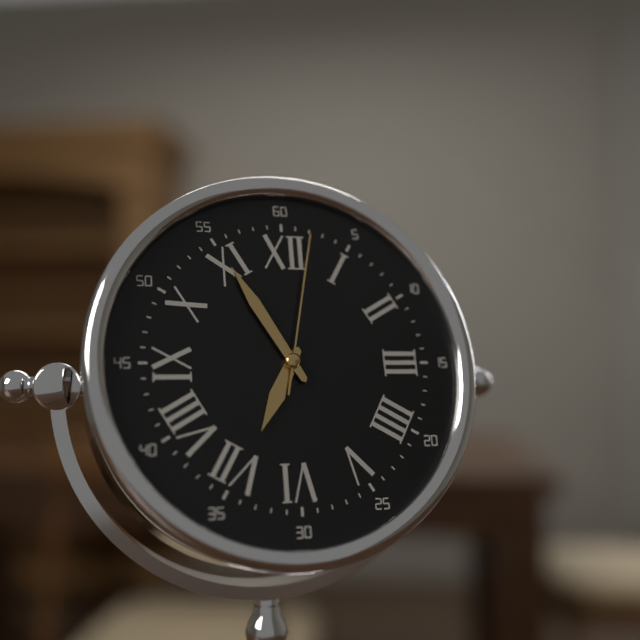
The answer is 6:55:02
